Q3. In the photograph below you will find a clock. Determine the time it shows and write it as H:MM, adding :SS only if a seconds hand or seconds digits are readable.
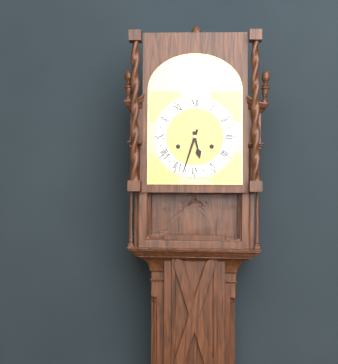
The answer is 5:33
